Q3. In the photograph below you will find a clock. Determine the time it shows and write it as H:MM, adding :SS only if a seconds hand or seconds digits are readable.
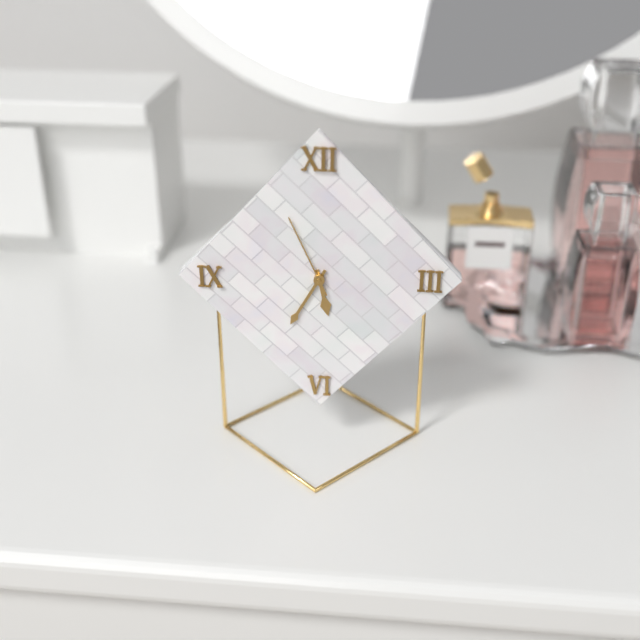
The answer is 5:35:56
